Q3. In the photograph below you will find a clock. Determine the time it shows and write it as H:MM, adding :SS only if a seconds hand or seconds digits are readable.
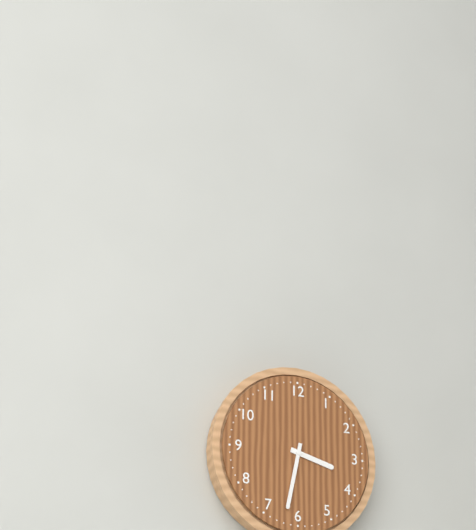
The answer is 3:32
